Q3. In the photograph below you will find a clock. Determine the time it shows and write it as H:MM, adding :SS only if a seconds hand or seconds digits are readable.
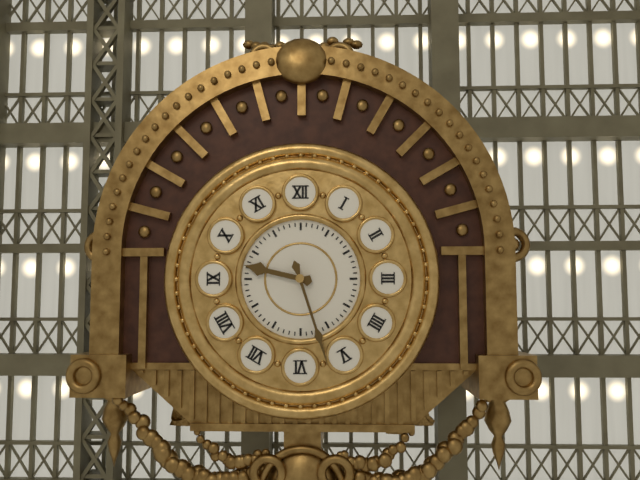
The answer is 9:27
